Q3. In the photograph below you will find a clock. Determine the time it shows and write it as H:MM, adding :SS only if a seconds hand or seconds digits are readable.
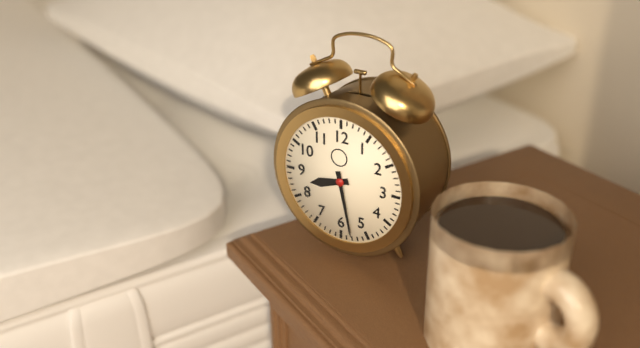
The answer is 8:28
